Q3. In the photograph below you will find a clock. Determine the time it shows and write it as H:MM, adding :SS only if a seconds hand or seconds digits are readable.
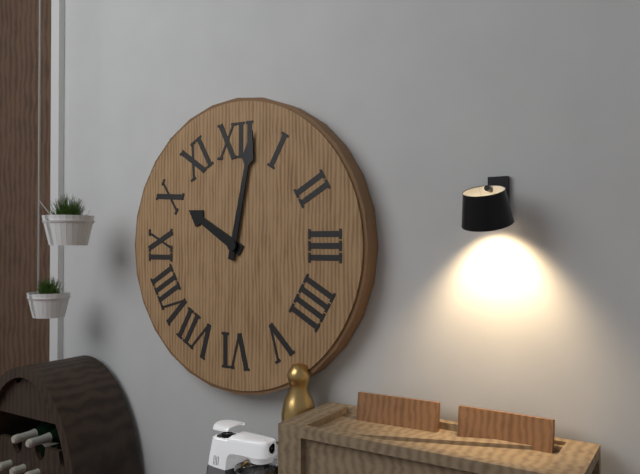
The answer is 10:02
